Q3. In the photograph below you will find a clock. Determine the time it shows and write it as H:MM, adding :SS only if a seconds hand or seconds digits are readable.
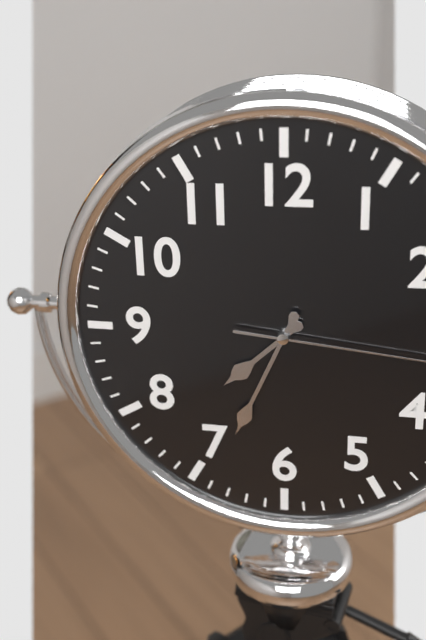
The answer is 7:34
